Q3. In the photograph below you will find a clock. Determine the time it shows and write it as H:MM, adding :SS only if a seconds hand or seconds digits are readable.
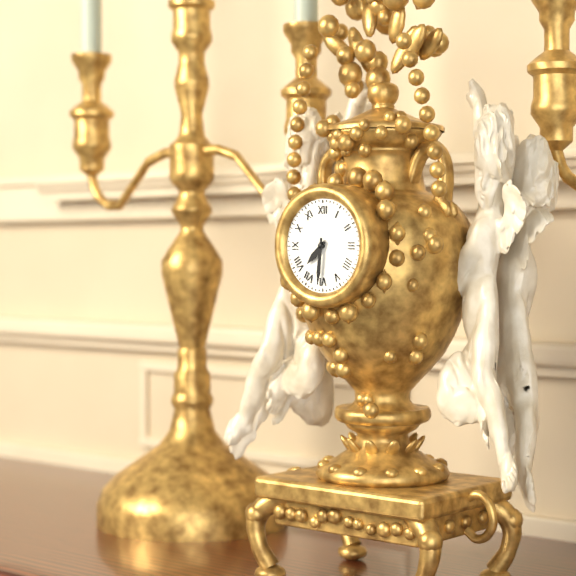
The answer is 7:31
